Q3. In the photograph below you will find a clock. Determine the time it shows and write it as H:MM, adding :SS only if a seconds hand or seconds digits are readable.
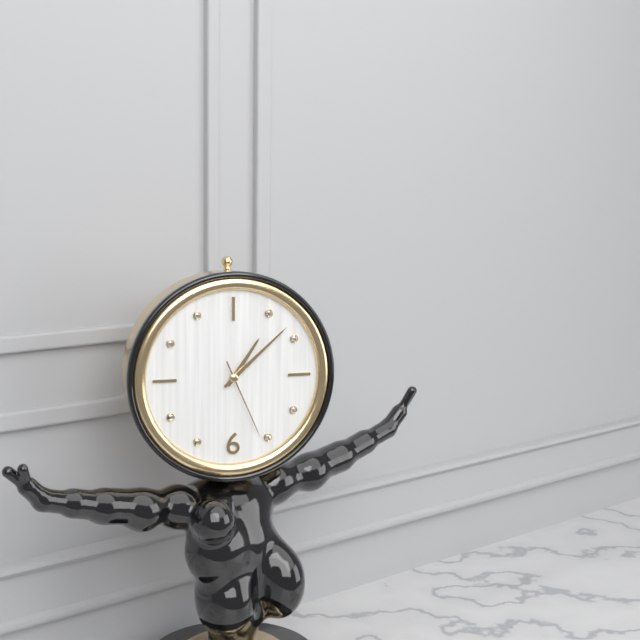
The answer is 1:08:26
